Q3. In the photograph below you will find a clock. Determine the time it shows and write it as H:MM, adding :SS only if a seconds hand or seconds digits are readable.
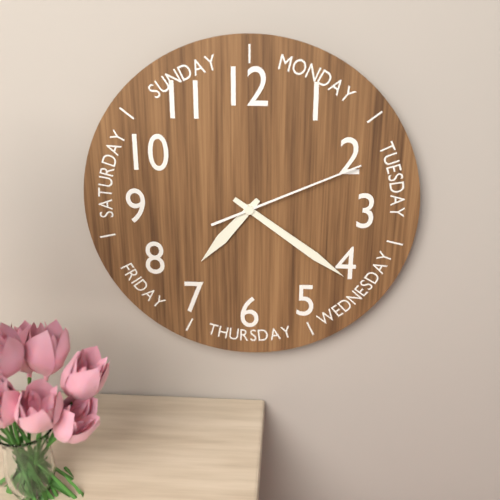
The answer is 7:21:11
